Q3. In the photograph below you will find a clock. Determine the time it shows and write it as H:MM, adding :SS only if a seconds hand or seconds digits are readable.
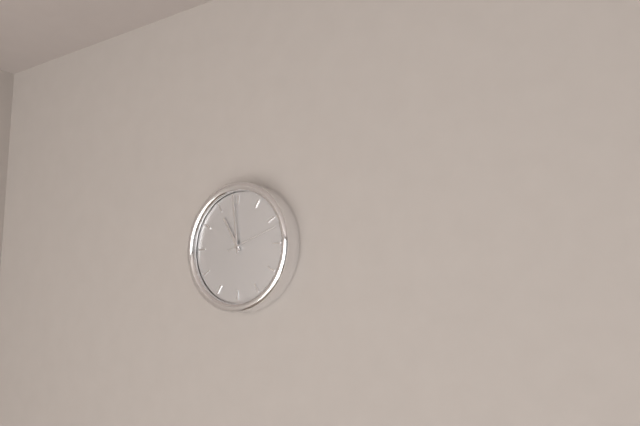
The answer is 10:59
